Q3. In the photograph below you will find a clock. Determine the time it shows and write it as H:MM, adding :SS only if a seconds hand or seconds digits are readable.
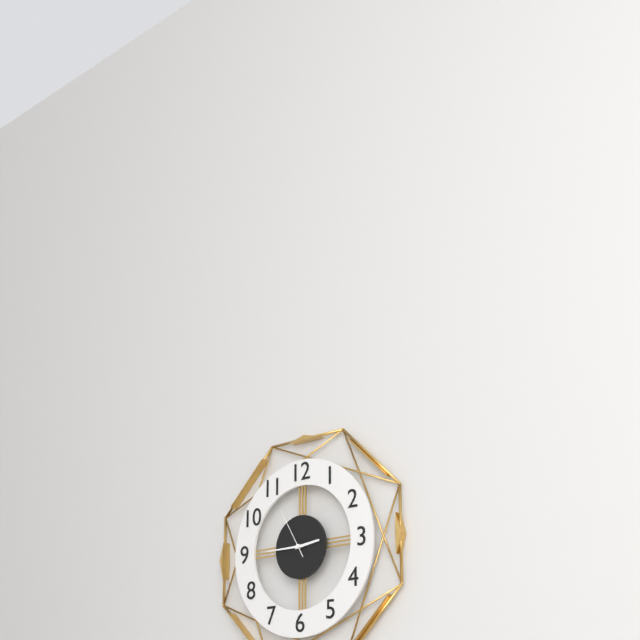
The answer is 2:45:55
